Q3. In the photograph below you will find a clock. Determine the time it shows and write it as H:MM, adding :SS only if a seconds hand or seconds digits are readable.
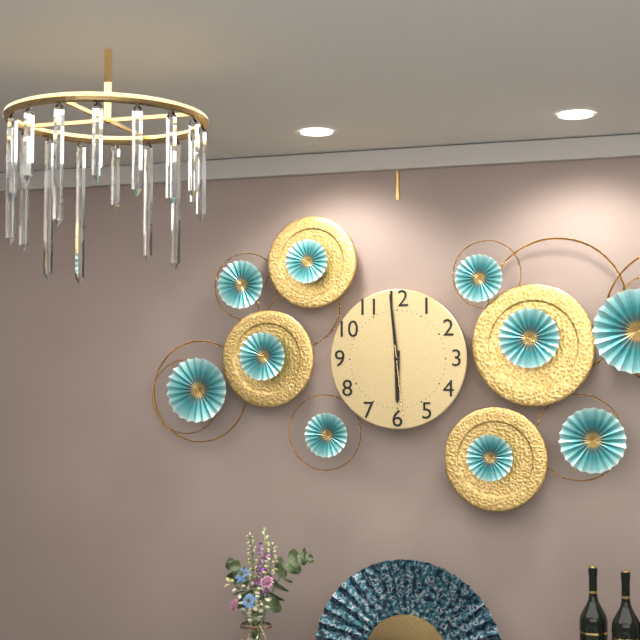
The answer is 5:59:29
